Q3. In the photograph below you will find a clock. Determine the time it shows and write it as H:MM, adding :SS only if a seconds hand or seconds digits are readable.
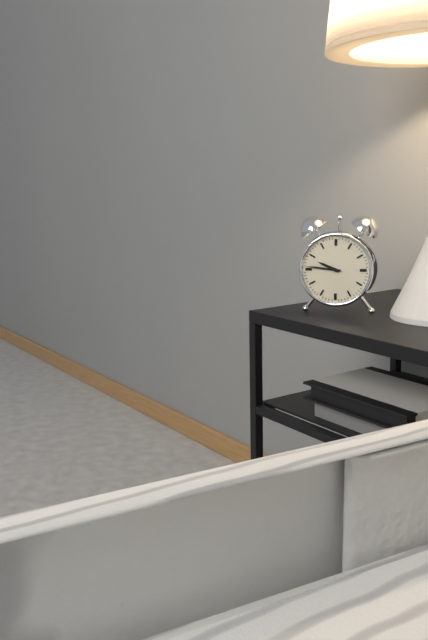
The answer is 9:46
